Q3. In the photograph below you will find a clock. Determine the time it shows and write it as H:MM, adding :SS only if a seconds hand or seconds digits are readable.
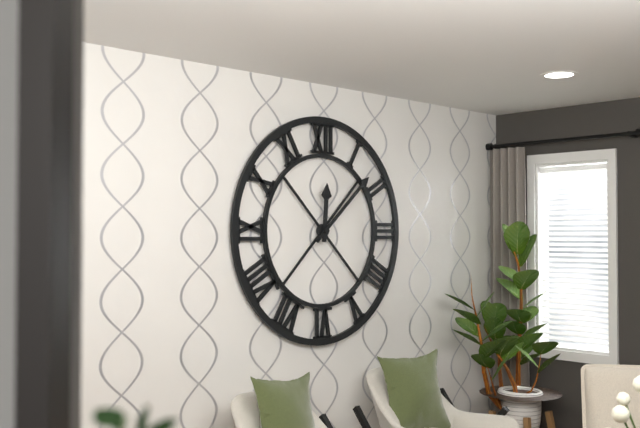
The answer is 12:08
